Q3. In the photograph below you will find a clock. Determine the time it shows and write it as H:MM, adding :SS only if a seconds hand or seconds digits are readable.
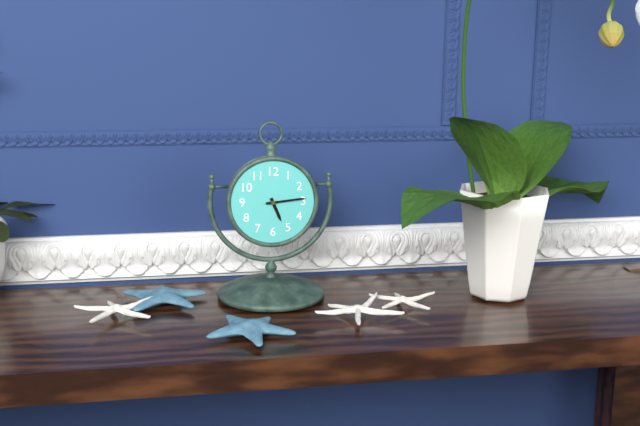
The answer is 5:14
